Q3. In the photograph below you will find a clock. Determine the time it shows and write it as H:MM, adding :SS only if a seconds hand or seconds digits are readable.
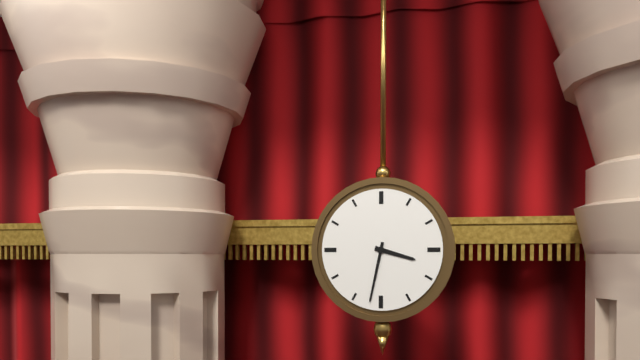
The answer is 3:32
